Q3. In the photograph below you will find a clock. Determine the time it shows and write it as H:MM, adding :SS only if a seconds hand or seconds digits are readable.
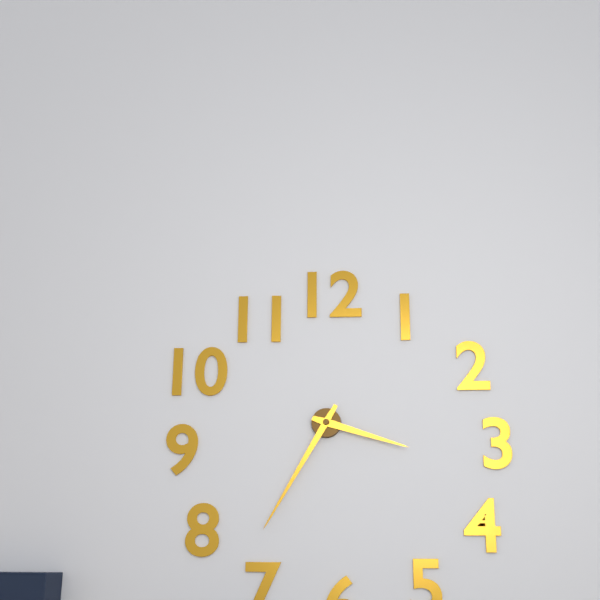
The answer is 3:35
